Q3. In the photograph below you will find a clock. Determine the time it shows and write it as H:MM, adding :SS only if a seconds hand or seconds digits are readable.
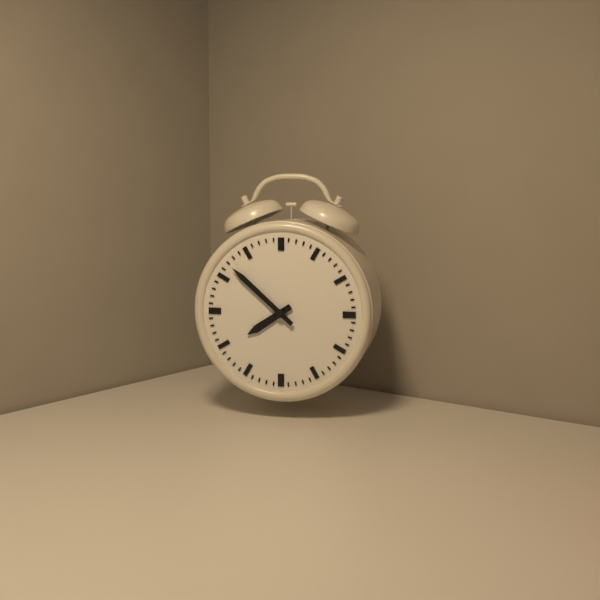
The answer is 7:52
